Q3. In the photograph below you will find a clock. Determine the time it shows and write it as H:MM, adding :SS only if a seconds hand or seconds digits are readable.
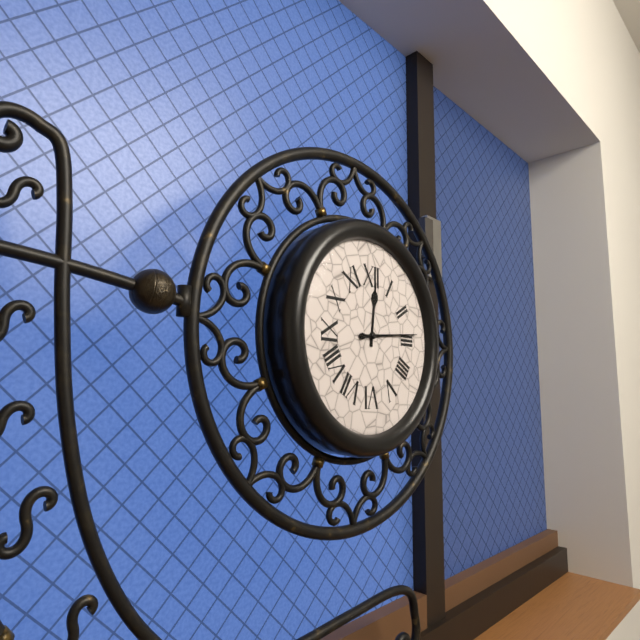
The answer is 12:14
